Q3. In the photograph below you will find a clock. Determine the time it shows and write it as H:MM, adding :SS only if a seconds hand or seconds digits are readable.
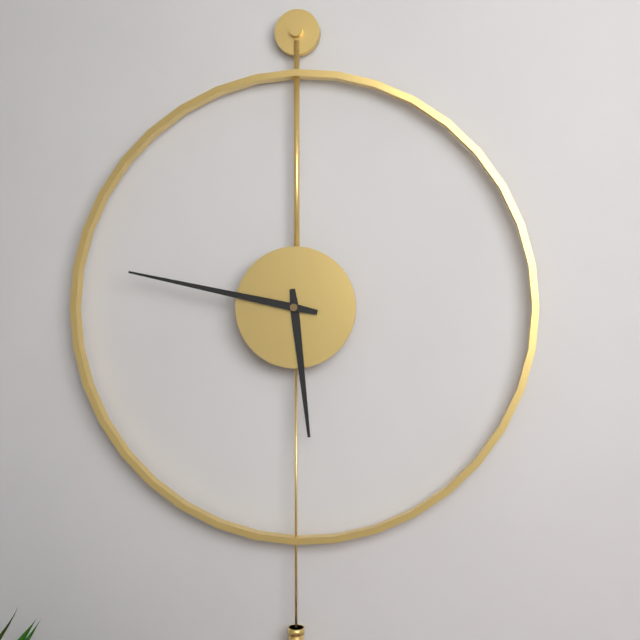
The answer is 5:47
